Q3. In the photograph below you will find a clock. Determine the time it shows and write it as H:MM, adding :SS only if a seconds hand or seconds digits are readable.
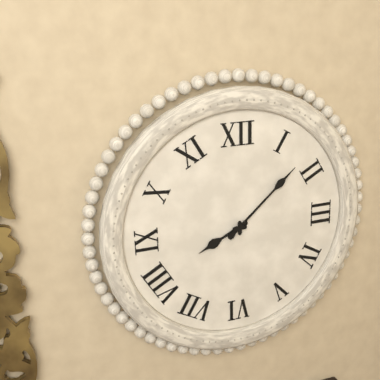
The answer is 8:08
